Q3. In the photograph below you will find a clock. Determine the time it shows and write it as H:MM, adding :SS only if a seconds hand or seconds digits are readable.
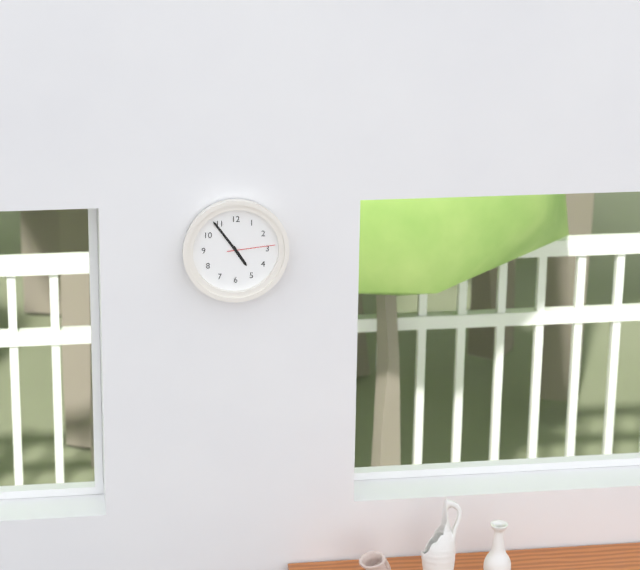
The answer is 4:54
